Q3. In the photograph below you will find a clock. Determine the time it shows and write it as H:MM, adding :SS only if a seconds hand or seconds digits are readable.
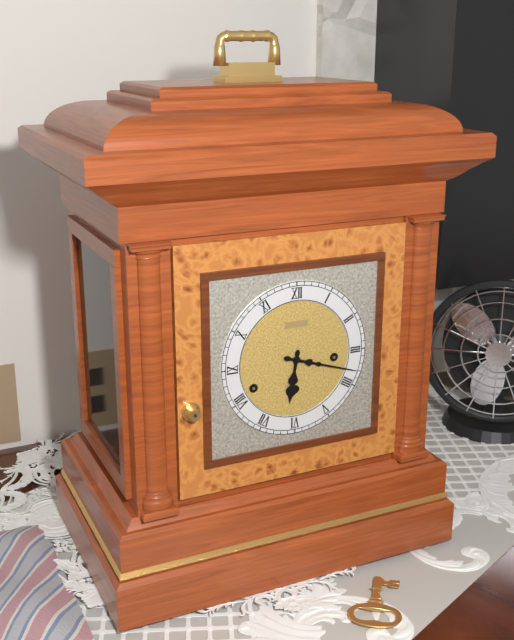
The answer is 6:18
